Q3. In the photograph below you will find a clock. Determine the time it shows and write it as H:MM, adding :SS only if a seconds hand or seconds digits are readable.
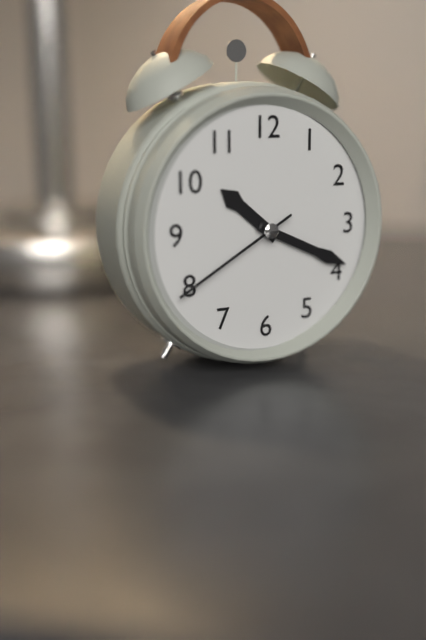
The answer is 10:19:40
